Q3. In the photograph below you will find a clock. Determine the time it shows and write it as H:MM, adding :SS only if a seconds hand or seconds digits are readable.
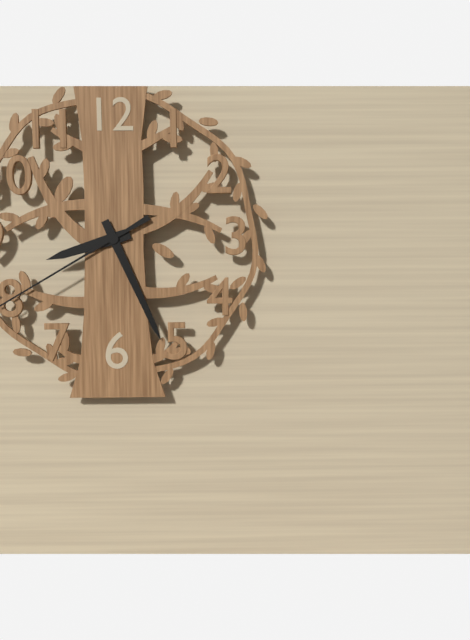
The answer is 8:26
